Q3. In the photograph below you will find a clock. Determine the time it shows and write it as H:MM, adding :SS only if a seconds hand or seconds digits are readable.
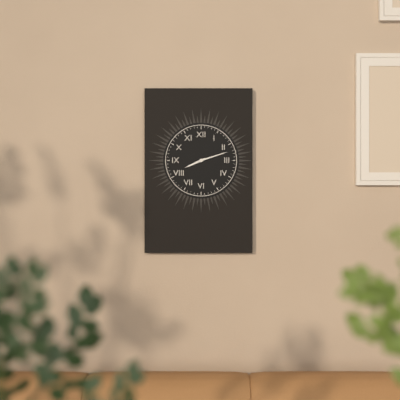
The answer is 8:12
